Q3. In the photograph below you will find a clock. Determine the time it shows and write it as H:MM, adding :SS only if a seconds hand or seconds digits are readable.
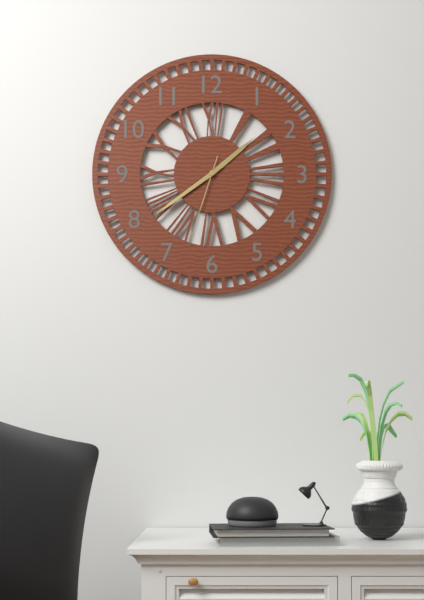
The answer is 1:39:33
